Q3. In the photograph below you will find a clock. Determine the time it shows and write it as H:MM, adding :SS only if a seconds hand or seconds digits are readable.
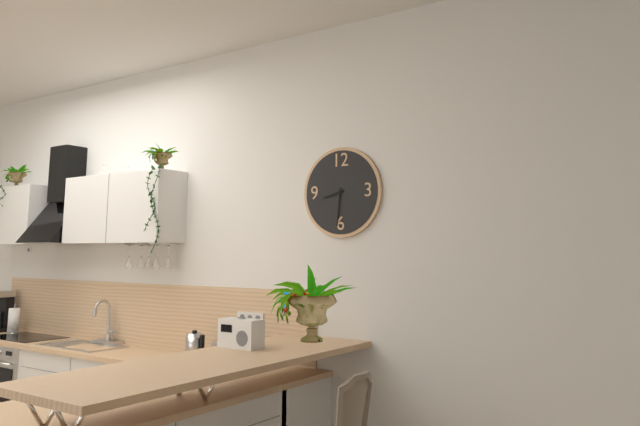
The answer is 8:31
